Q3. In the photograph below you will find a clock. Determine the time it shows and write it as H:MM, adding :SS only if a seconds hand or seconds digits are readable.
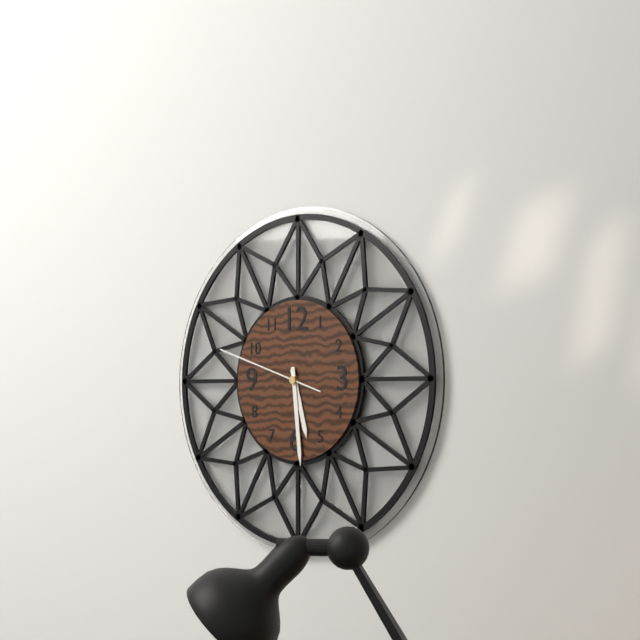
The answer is 5:29:48
